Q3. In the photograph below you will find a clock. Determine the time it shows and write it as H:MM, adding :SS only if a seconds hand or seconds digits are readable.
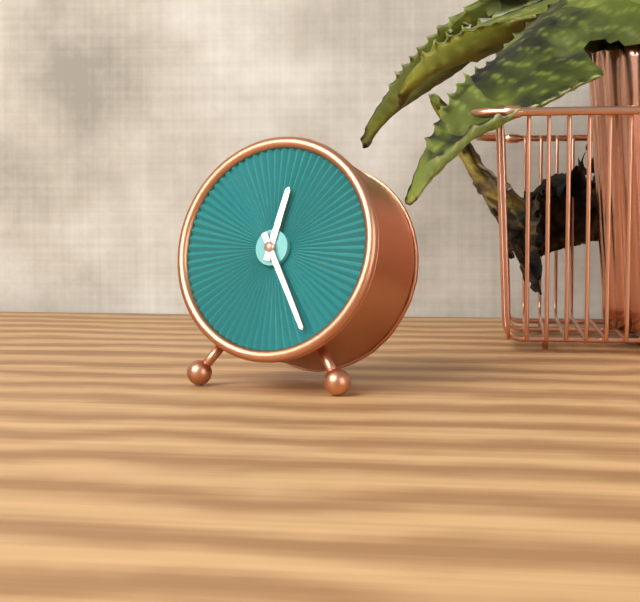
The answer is 12:25
